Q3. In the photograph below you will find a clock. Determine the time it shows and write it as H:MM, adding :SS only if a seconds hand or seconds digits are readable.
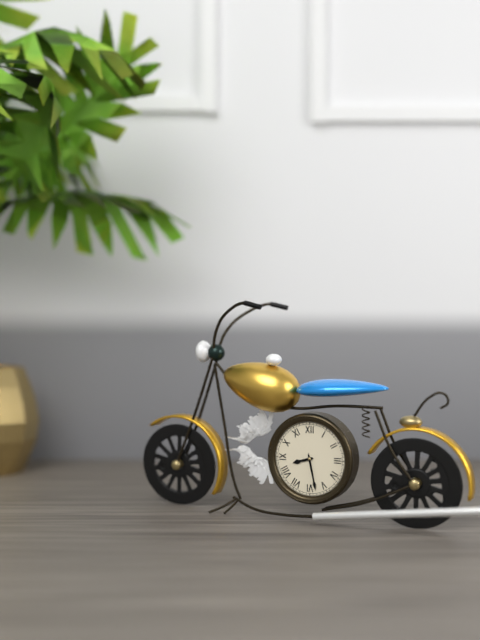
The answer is 8:28
